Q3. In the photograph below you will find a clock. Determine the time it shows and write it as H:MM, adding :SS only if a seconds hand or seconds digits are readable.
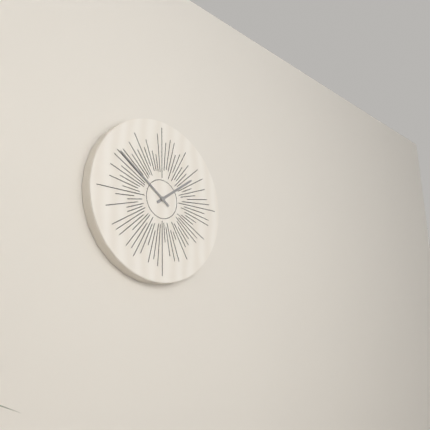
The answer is 1:51
